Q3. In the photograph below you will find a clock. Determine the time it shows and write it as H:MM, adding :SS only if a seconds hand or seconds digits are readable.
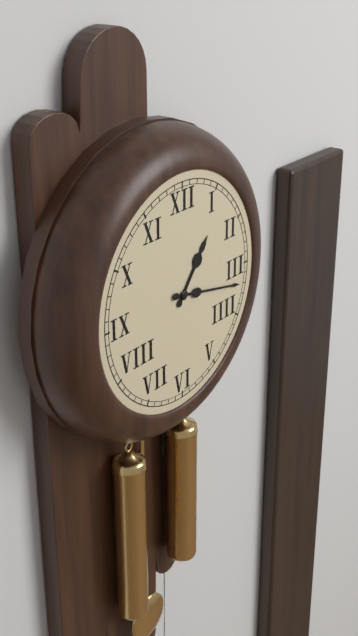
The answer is 1:17
